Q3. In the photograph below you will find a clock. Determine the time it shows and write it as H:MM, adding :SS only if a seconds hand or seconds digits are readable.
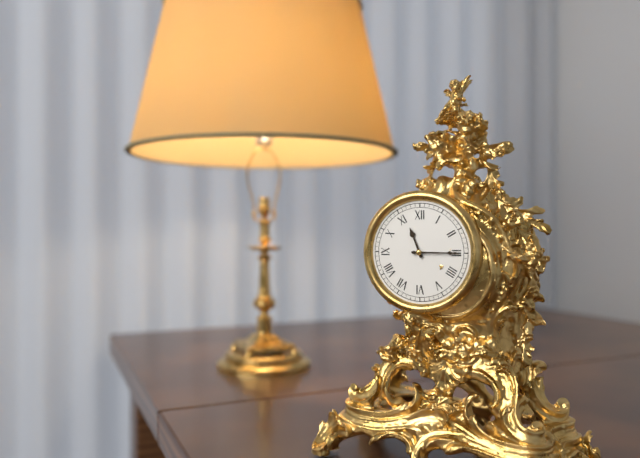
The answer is 11:15
